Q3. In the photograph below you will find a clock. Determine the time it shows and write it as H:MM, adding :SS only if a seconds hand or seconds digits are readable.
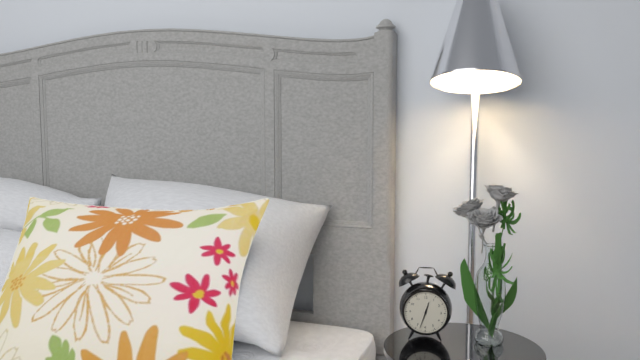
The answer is 12:33
